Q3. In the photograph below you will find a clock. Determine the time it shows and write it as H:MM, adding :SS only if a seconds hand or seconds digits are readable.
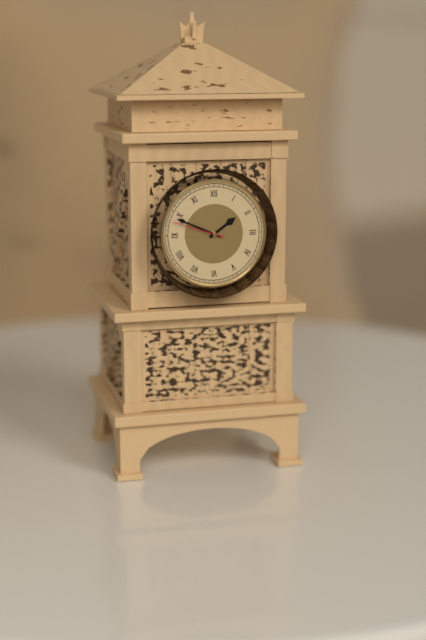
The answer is 1:49:48
